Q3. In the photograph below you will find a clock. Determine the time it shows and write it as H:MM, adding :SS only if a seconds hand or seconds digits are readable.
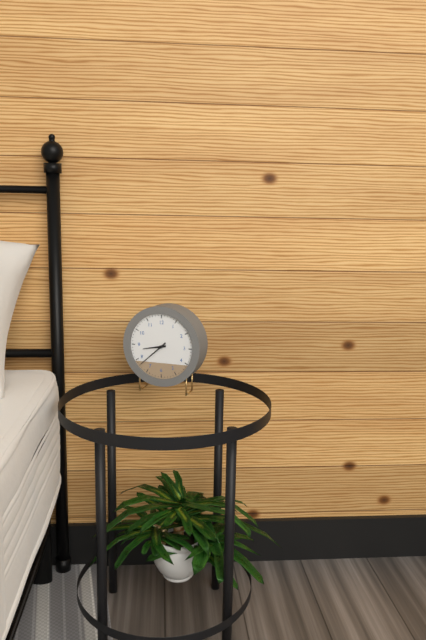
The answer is 8:38
